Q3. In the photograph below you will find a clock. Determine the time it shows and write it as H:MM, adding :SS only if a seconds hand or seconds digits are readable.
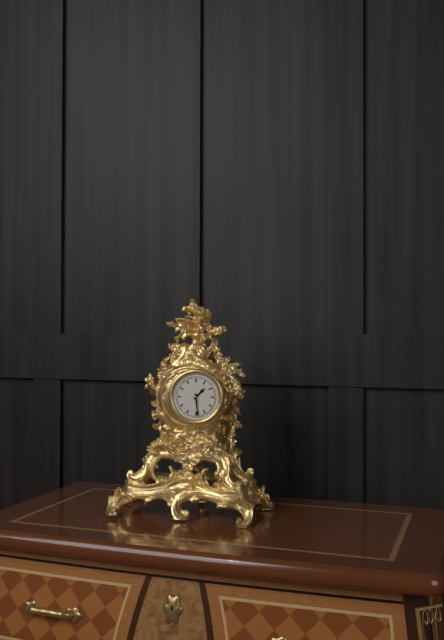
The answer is 1:29
